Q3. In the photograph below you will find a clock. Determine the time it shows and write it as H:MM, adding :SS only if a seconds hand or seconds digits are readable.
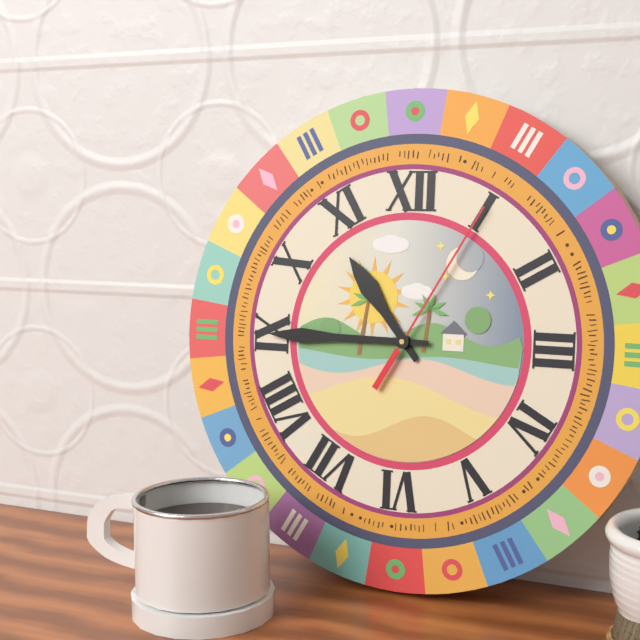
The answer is 10:45:05
